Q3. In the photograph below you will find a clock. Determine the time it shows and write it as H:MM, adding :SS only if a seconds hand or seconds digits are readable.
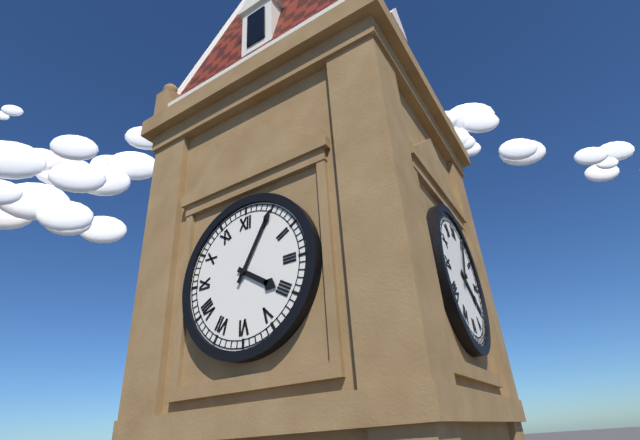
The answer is 4:05
